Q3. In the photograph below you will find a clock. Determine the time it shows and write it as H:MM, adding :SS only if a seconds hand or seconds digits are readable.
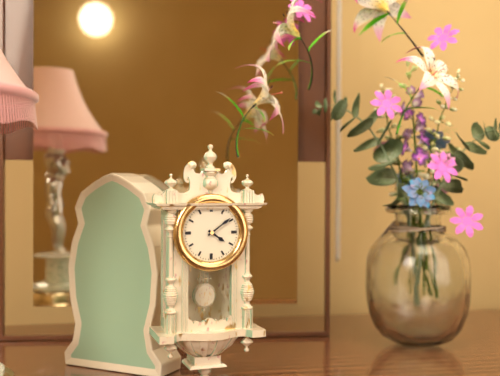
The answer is 4:09
